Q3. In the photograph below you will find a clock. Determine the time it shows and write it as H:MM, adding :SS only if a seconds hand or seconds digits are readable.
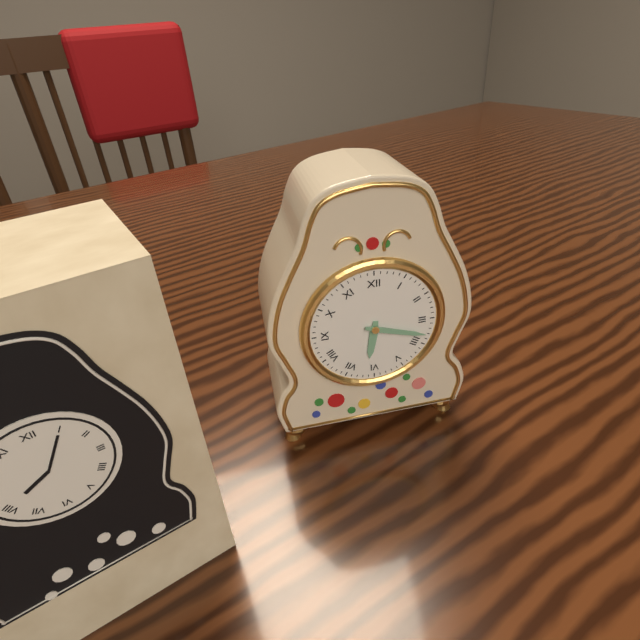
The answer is 6:18
